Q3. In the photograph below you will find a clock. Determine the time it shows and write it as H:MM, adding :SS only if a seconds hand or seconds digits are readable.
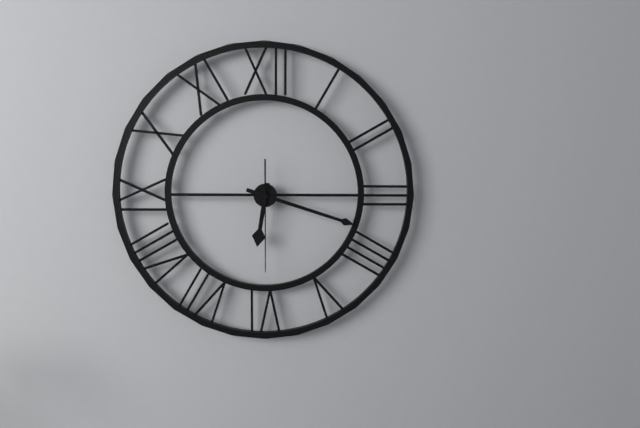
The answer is 6:18:30
